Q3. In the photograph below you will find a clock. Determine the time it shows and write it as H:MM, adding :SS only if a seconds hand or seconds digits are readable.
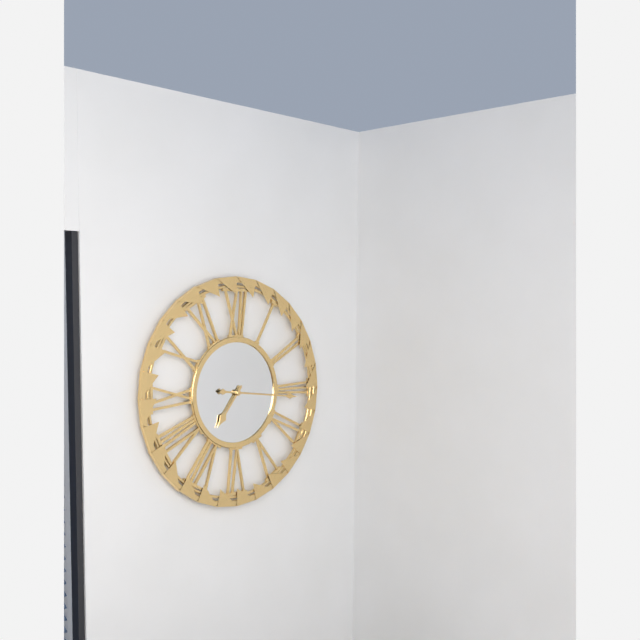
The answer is 7:16
